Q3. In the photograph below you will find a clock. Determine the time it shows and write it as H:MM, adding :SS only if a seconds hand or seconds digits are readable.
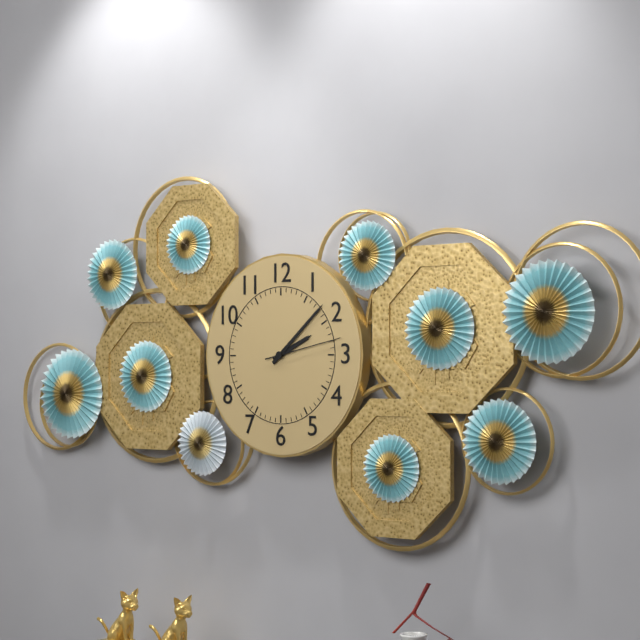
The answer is 2:08:13
